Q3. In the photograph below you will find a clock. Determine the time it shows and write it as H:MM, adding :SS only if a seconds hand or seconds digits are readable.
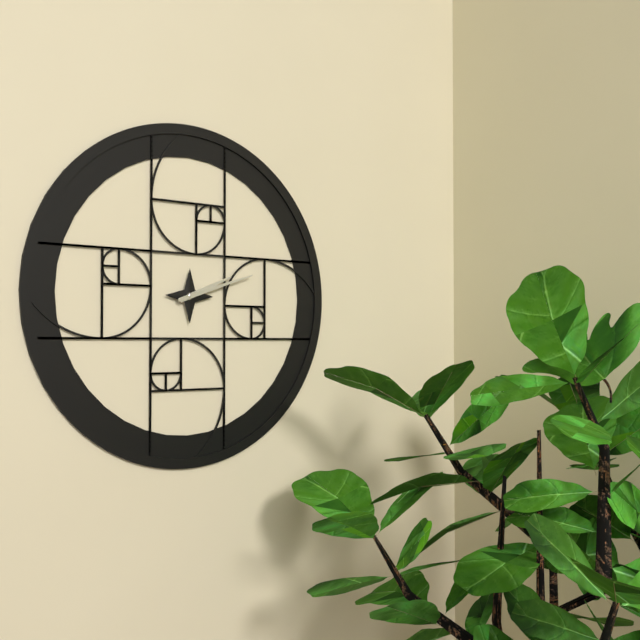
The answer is 2:12
